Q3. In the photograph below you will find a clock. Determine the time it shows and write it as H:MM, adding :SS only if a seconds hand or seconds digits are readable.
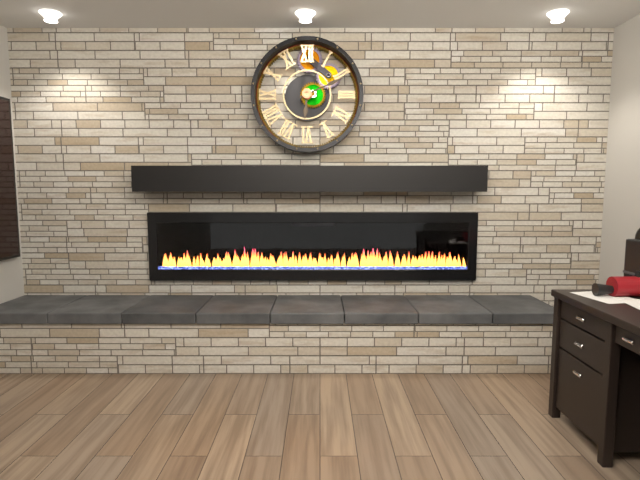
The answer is 6:11
